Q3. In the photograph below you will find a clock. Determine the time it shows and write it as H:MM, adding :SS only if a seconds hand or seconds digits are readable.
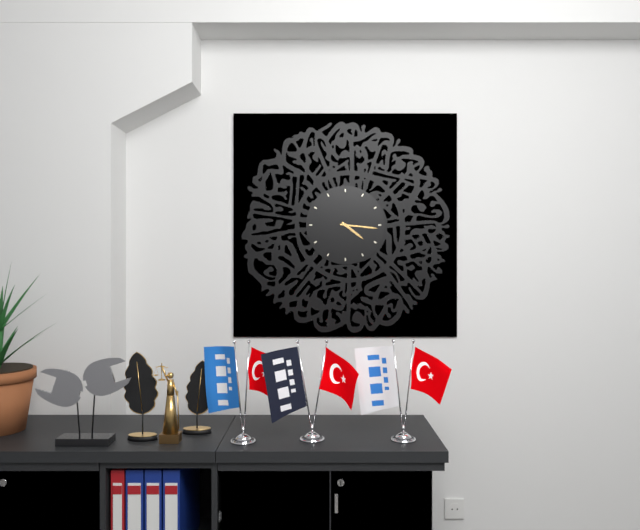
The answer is 4:16
